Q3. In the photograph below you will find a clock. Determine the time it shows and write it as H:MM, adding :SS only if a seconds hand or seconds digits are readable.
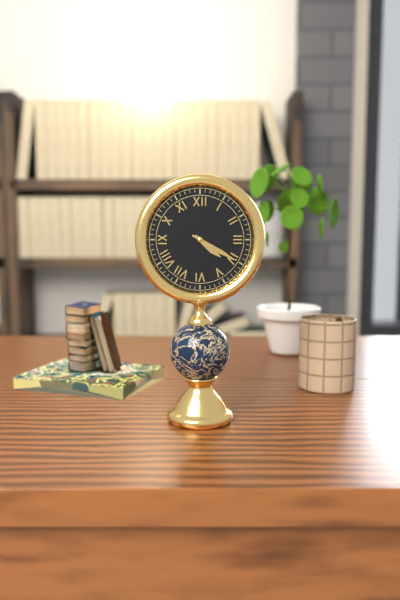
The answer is 4:20
